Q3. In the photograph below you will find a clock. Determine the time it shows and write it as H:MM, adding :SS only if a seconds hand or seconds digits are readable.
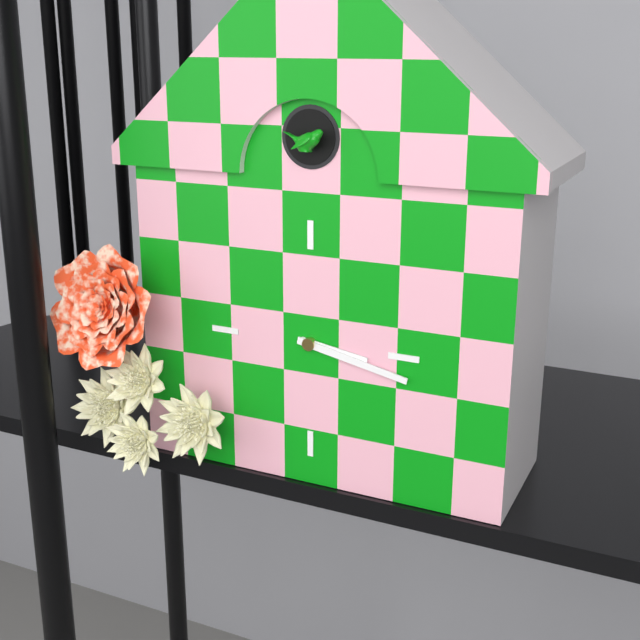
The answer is 3:17
